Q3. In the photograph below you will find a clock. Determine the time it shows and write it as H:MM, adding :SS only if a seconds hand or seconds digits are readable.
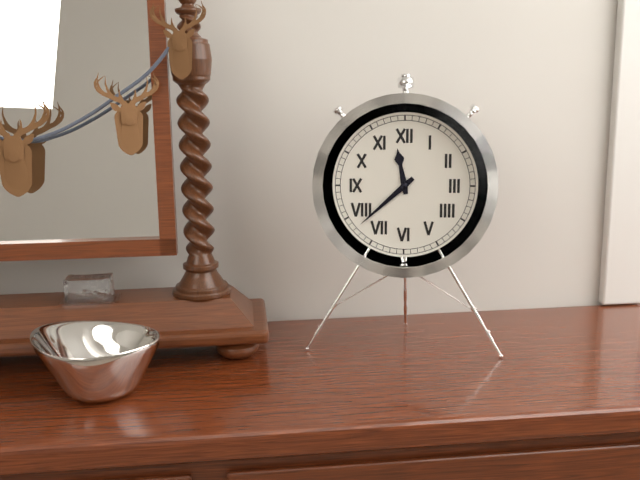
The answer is 11:38
